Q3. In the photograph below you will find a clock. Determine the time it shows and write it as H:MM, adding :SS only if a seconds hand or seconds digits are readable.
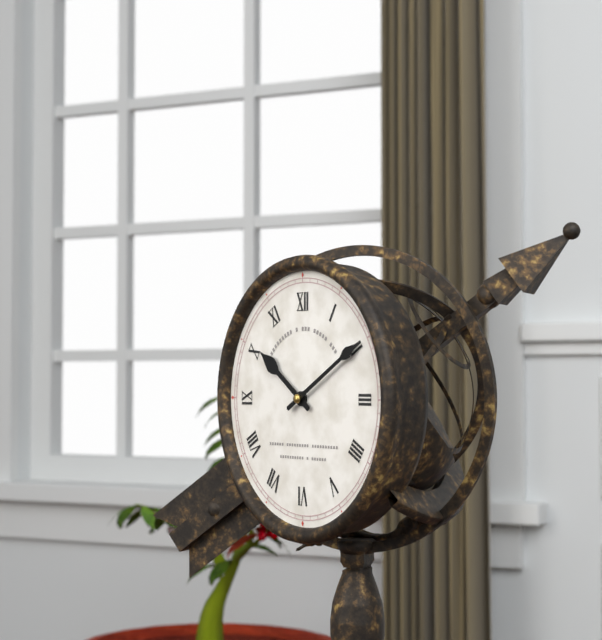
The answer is 10:10
